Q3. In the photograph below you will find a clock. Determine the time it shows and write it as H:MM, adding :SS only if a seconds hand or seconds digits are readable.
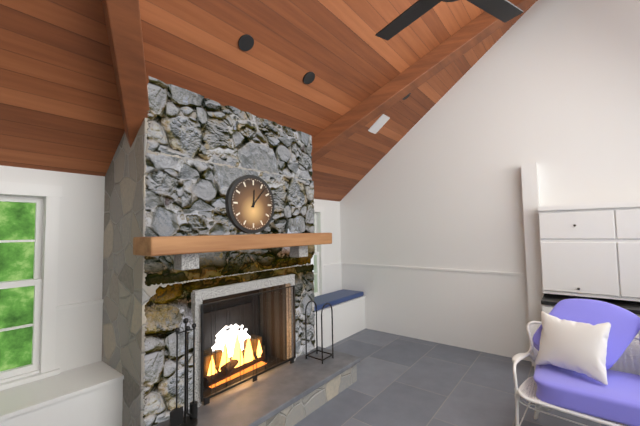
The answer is 12:07
